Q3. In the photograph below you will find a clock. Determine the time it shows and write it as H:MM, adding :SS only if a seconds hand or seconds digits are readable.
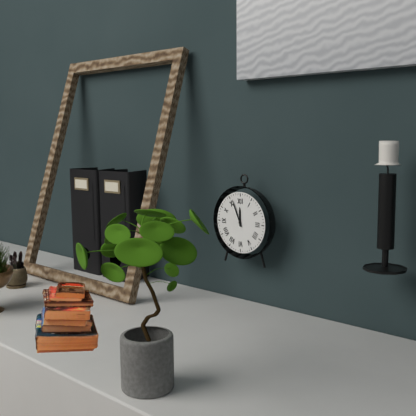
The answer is 11:56
